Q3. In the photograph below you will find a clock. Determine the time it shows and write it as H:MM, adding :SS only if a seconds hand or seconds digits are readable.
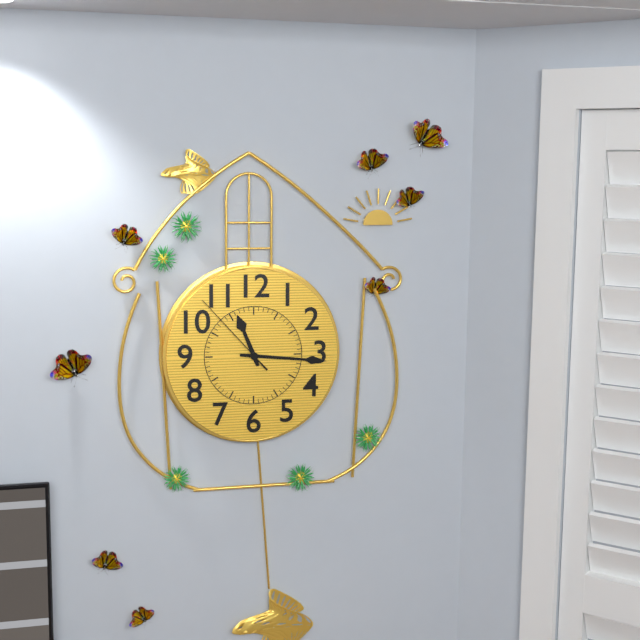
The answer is 11:16:53
